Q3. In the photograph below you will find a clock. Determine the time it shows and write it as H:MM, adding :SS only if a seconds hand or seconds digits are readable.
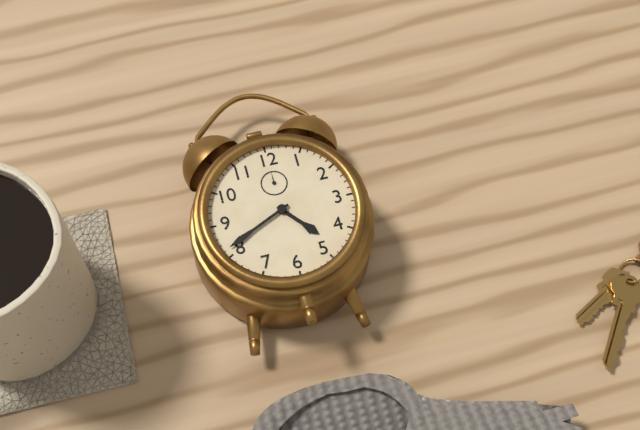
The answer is 4:41
